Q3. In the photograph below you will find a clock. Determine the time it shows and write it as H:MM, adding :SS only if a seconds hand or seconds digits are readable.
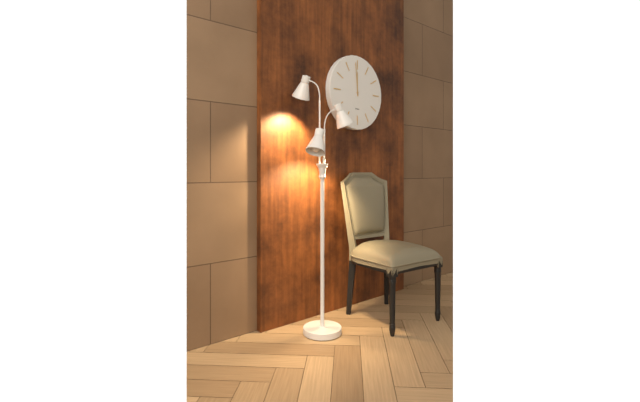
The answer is 11:59
